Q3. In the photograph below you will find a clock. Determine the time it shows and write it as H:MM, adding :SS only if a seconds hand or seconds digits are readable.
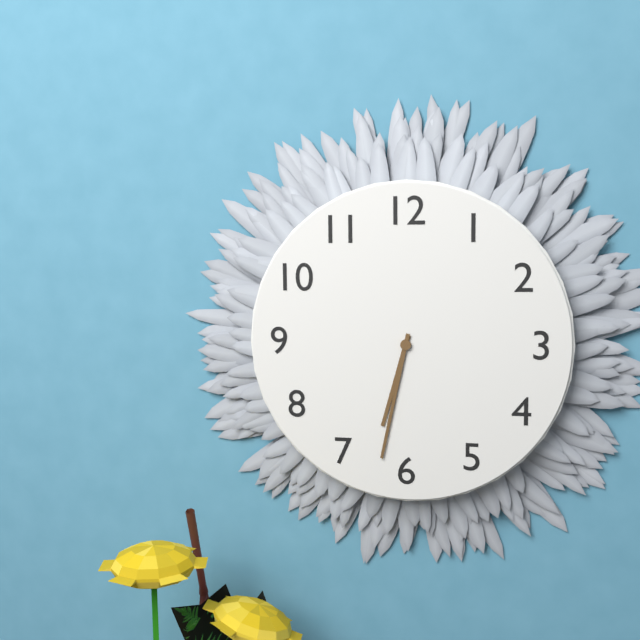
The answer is 6:32
